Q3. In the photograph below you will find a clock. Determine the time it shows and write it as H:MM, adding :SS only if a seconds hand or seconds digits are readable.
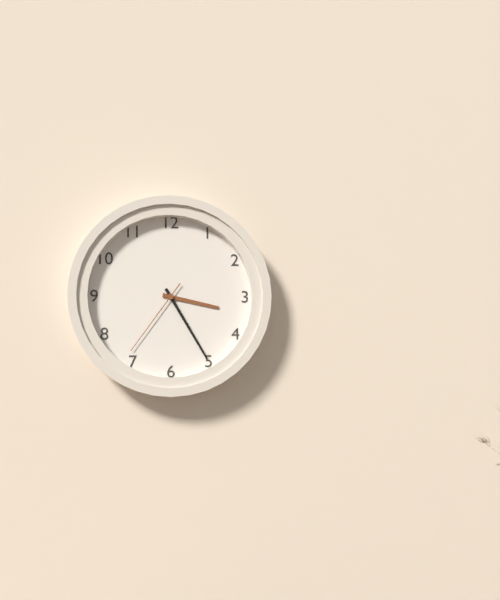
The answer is 3:25:36
